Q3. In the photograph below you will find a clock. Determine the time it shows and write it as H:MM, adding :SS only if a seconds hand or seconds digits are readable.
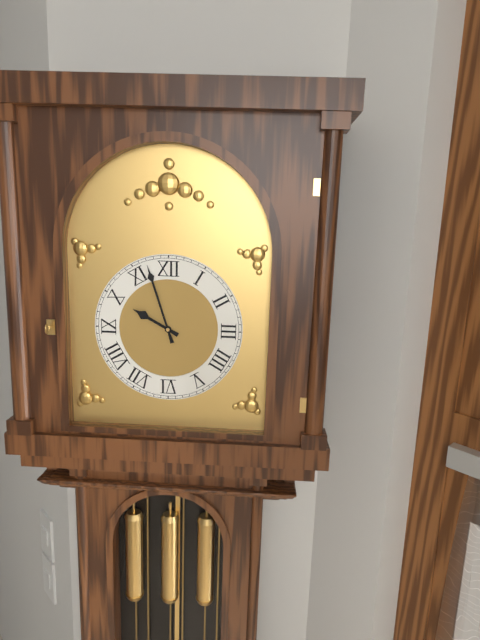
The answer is 9:57
